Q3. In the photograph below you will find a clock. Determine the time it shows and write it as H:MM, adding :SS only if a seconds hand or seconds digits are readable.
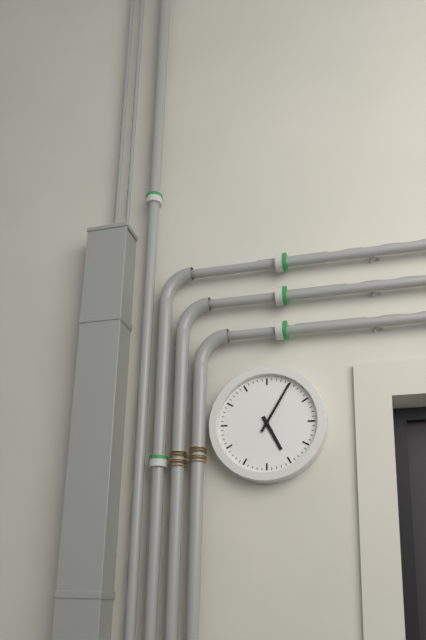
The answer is 5:05
